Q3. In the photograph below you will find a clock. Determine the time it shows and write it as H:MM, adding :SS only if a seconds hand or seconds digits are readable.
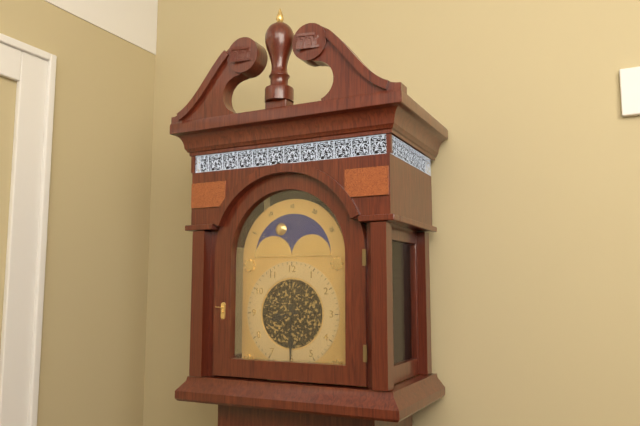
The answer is 8:30
